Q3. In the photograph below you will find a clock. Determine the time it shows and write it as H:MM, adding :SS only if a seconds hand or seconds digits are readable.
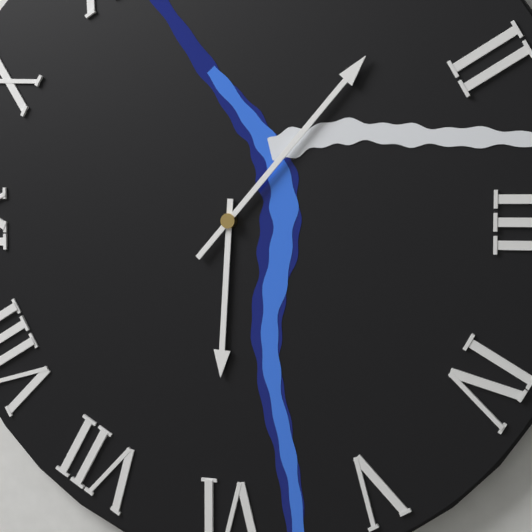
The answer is 6:07
